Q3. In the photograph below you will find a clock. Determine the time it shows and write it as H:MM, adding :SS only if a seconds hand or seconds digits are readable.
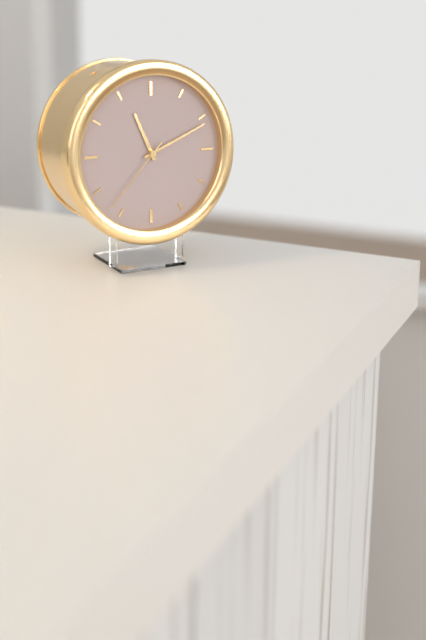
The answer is 11:11:37
